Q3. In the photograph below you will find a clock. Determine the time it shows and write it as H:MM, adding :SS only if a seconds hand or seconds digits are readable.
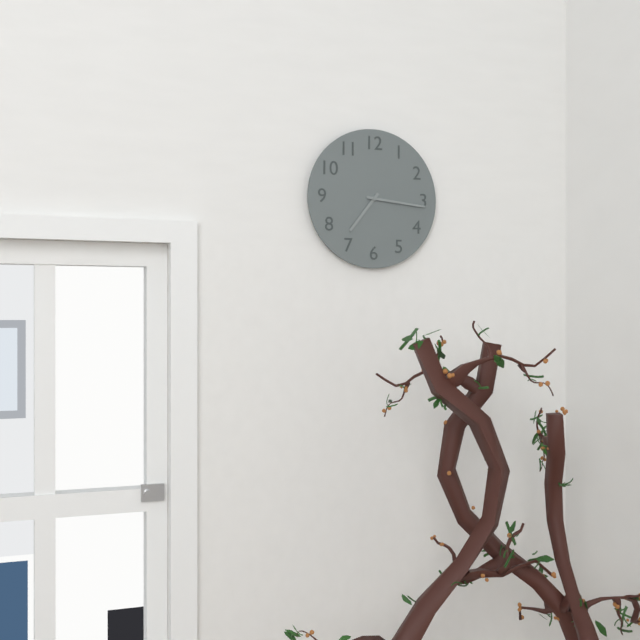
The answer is 7:16
